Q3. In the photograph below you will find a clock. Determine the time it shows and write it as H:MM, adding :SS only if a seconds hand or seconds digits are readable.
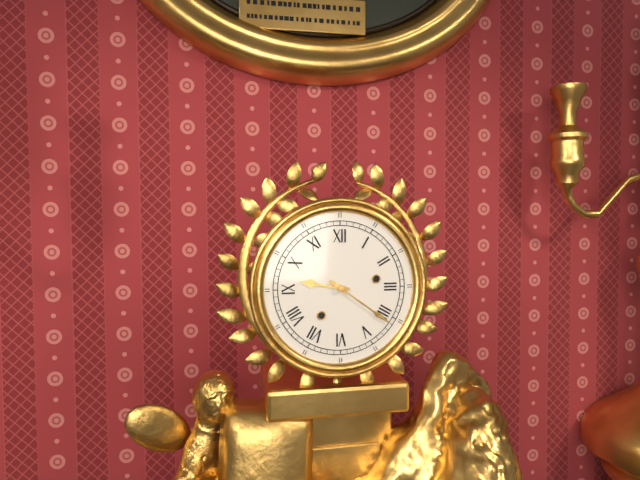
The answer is 9:21
